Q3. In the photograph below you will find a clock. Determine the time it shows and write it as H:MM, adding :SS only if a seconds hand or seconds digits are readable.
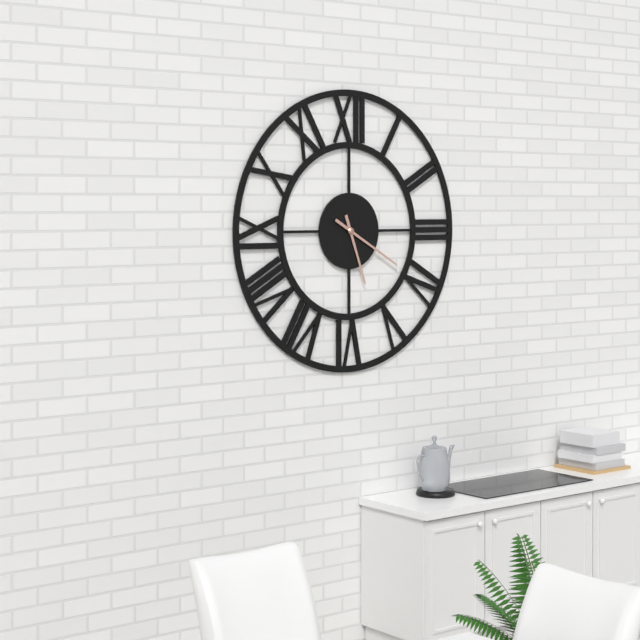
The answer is 5:20
